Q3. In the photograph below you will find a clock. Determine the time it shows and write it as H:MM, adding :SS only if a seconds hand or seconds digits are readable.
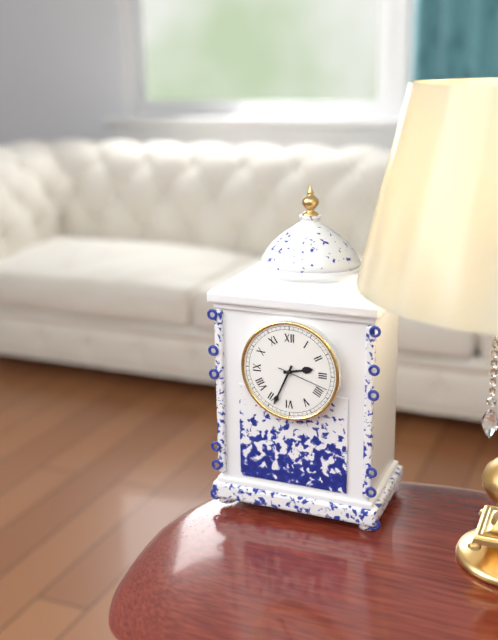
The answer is 2:34:18
